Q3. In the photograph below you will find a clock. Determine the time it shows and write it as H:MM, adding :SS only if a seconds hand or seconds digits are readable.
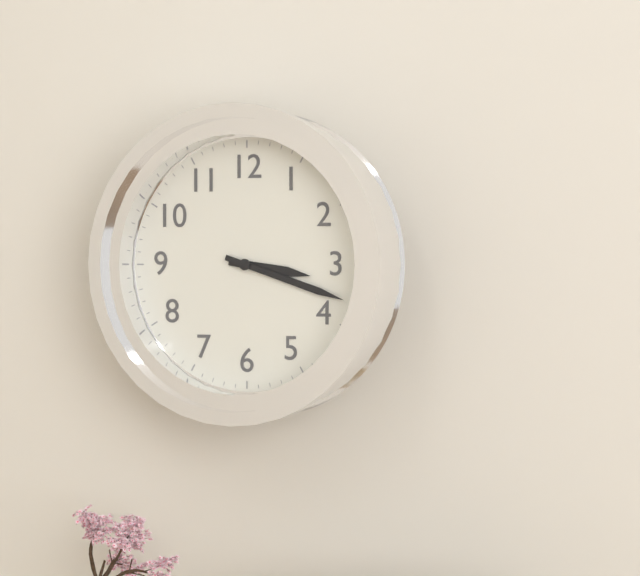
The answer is 3:18
